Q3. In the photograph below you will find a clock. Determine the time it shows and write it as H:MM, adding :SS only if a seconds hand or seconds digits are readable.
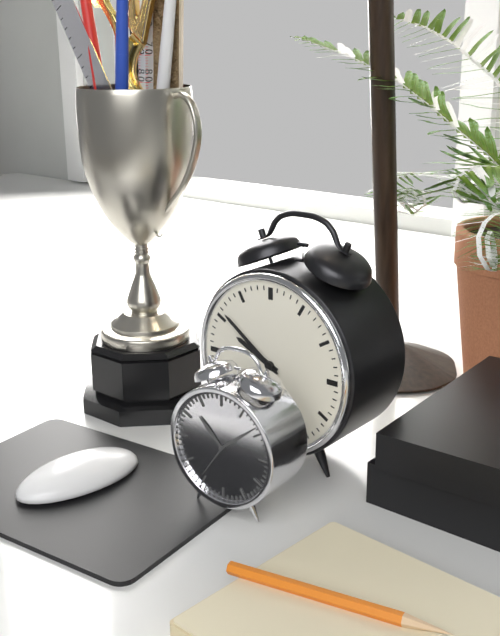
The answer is 9:51
